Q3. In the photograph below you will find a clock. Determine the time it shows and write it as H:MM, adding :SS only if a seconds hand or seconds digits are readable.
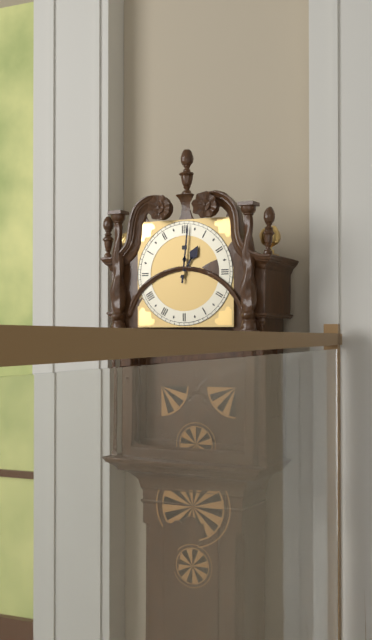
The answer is 1:01
